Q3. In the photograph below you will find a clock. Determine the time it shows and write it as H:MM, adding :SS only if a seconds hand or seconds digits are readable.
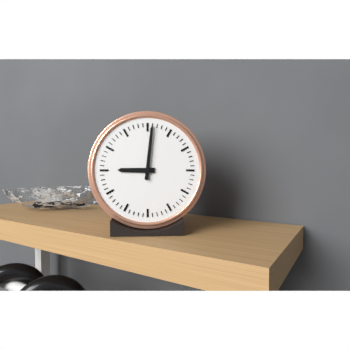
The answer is 9:01
